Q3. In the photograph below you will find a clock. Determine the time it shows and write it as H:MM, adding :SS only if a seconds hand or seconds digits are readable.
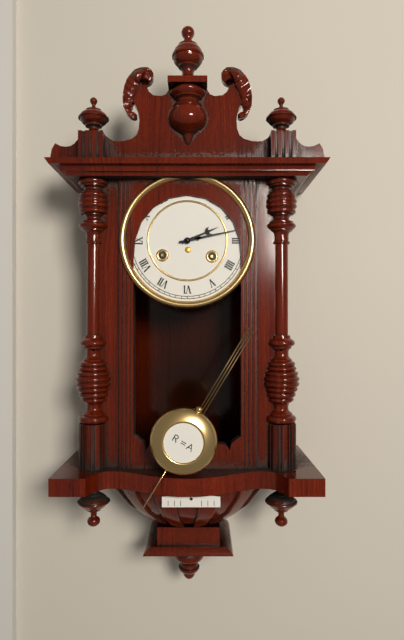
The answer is 2:13
